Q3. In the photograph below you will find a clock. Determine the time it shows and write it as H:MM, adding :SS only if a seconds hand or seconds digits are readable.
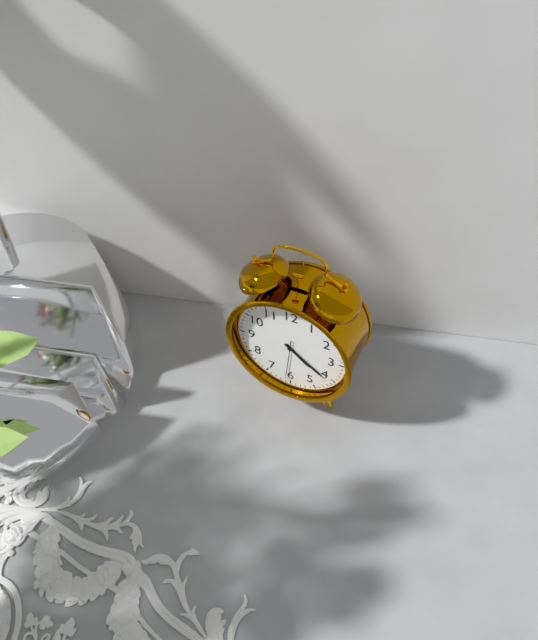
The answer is 4:21
